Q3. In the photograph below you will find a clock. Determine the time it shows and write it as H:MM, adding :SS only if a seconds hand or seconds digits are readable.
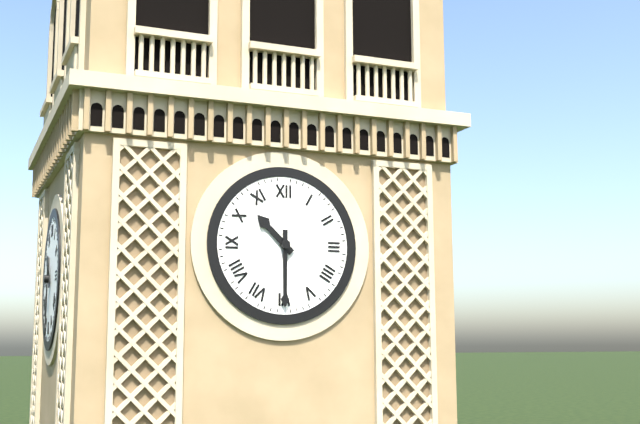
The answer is 10:30
